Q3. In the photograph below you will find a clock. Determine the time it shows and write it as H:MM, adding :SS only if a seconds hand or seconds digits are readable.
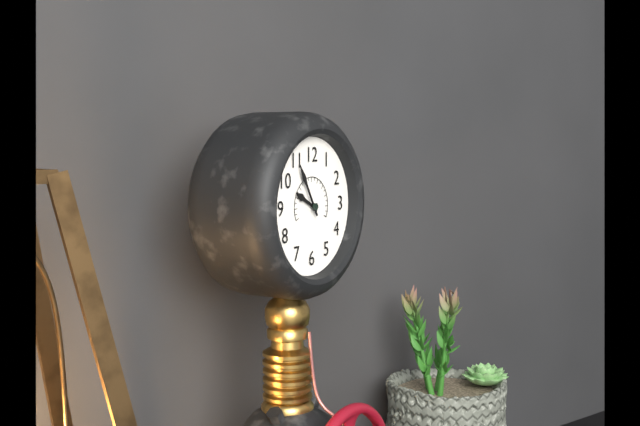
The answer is 9:55
